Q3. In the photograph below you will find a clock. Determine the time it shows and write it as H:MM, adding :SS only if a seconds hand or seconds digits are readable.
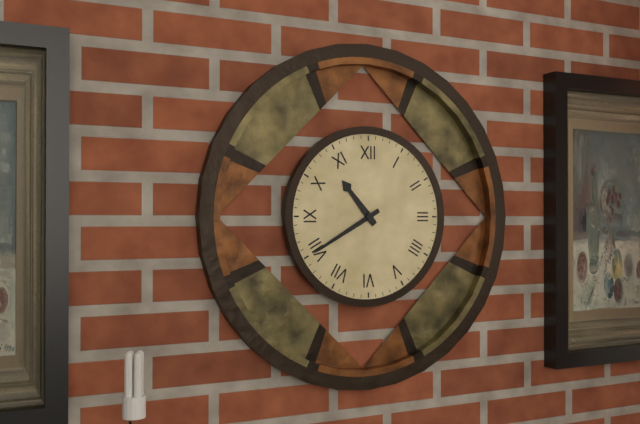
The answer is 10:40
